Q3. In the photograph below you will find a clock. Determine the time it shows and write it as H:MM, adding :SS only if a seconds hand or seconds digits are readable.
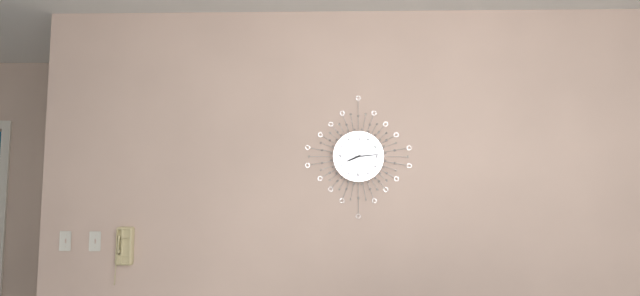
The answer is 8:14
